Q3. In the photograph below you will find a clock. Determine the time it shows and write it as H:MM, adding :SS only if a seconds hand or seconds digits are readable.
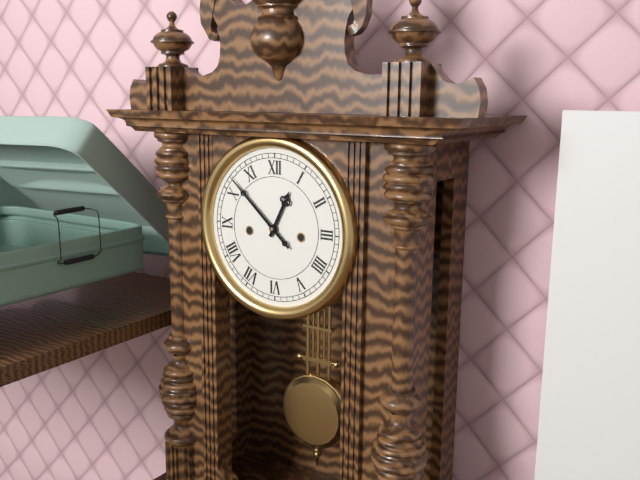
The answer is 12:52
